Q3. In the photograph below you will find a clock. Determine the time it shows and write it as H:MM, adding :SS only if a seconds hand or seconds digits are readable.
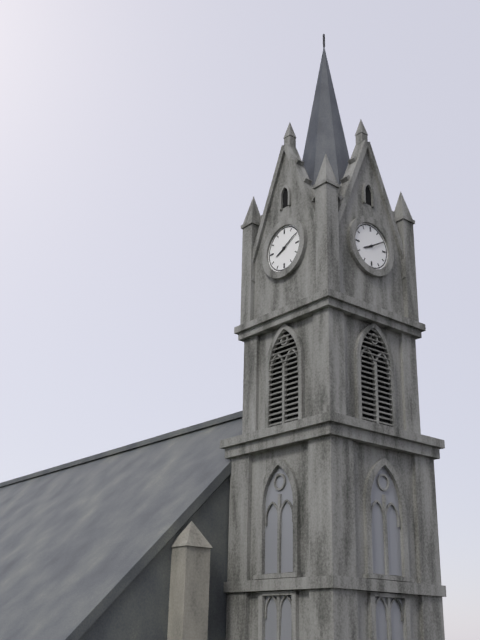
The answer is 8:10
